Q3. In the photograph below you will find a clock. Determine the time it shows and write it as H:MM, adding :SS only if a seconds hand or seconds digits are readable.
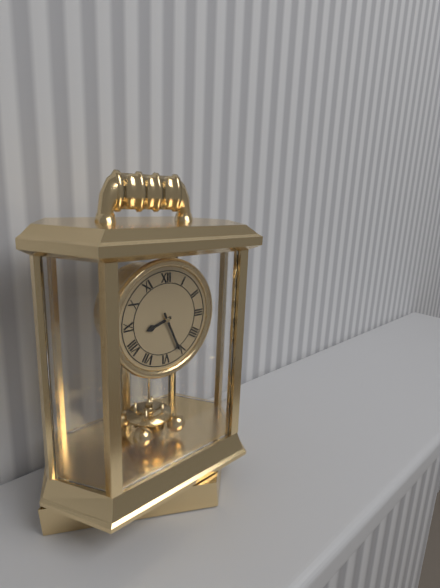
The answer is 8:26
